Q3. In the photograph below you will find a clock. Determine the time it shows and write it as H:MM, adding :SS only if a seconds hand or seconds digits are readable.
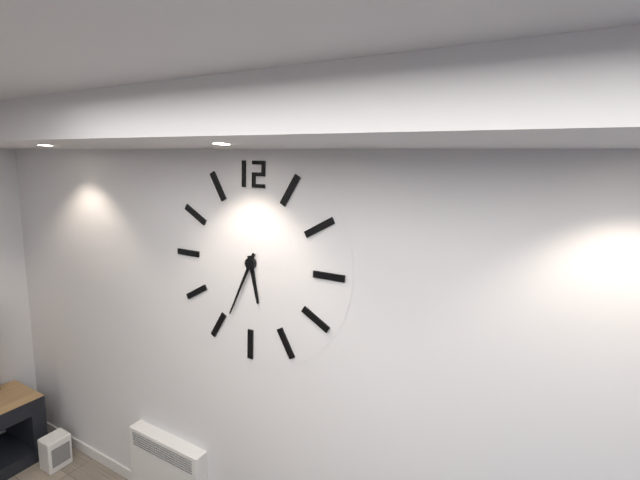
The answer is 5:34
